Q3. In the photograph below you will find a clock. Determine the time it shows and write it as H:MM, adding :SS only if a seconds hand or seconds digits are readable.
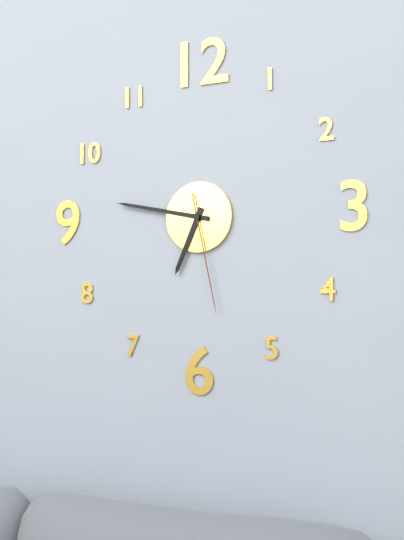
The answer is 6:47:28
